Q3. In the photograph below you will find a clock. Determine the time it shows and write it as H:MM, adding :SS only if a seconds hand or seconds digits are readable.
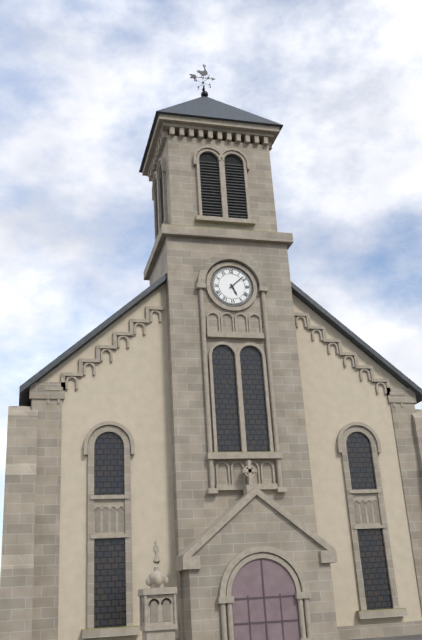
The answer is 5:08
